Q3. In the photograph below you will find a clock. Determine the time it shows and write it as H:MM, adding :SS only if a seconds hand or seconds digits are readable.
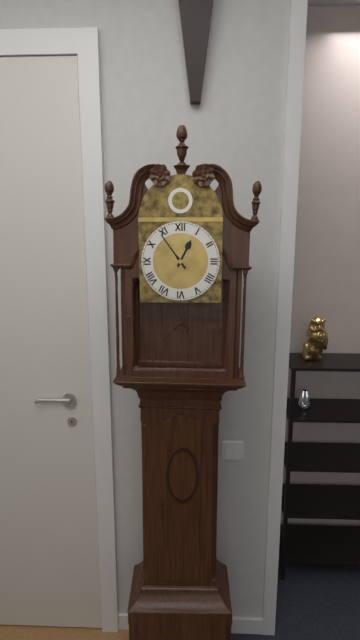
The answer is 12:54
